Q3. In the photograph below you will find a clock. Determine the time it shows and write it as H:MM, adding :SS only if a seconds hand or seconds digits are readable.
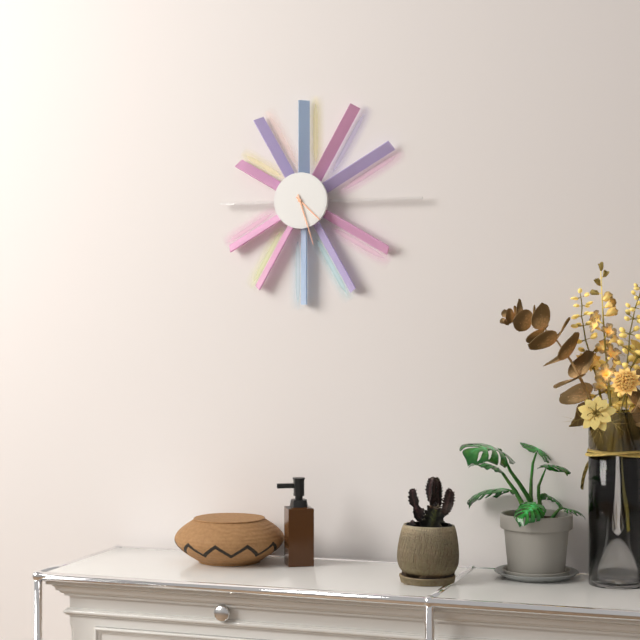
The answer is 4:27
